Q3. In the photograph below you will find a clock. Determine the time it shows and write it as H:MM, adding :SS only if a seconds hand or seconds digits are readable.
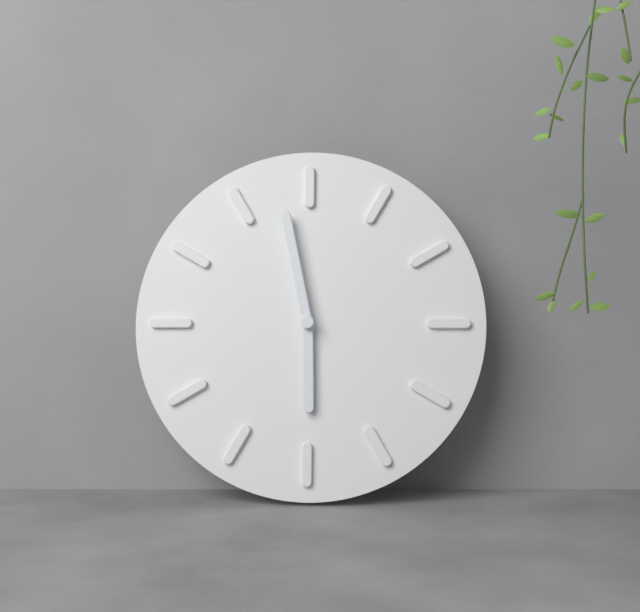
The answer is 5:58
